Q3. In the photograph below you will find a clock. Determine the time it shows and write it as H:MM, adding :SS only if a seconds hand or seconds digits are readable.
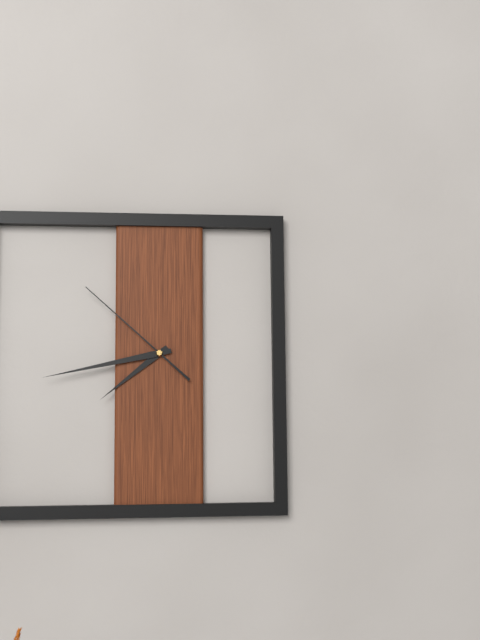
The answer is 7:43:52
